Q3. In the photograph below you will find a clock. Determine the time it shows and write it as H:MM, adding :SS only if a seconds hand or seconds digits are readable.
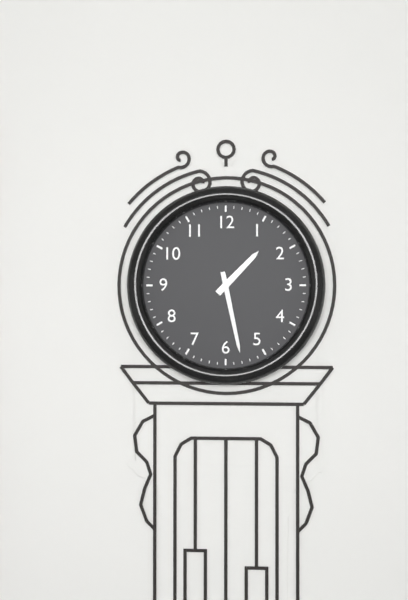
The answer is 1:28
